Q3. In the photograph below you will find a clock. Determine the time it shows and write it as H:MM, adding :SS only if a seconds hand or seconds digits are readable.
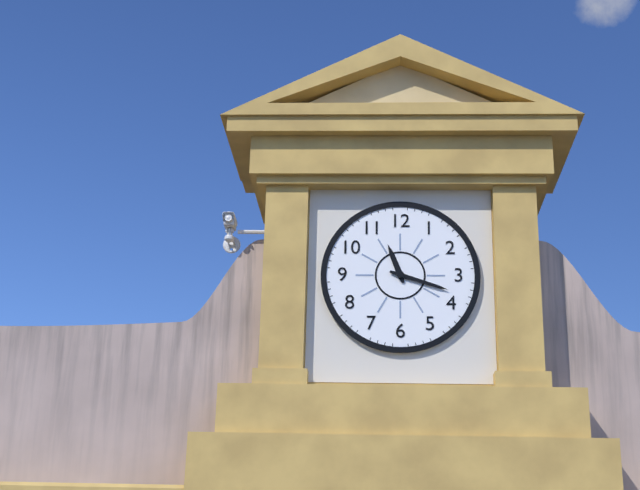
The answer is 11:18
